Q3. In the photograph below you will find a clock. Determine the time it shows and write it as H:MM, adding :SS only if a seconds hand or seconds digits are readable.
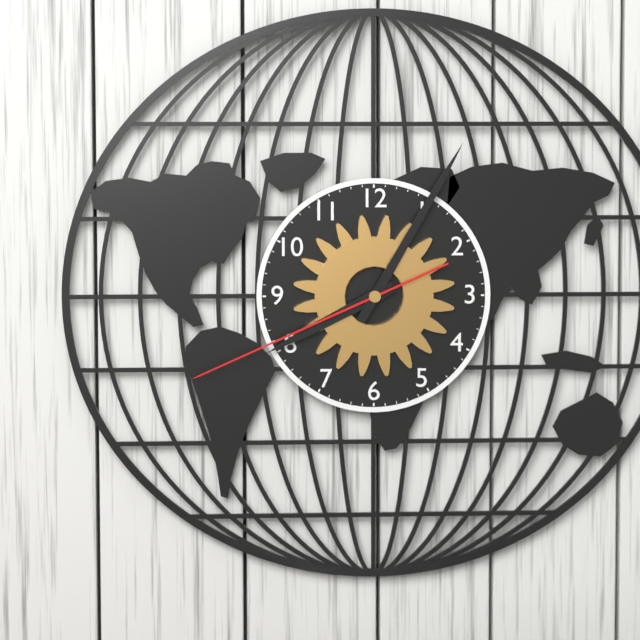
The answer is 8:05:41
